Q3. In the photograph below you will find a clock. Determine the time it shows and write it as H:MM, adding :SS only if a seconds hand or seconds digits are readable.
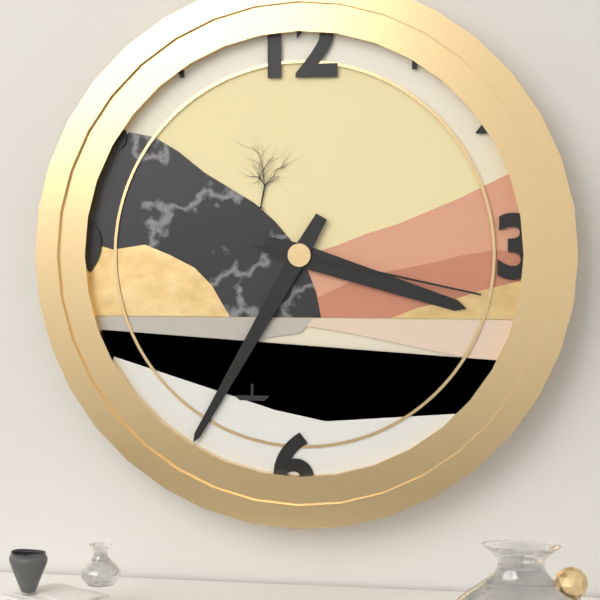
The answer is 3:35:17
